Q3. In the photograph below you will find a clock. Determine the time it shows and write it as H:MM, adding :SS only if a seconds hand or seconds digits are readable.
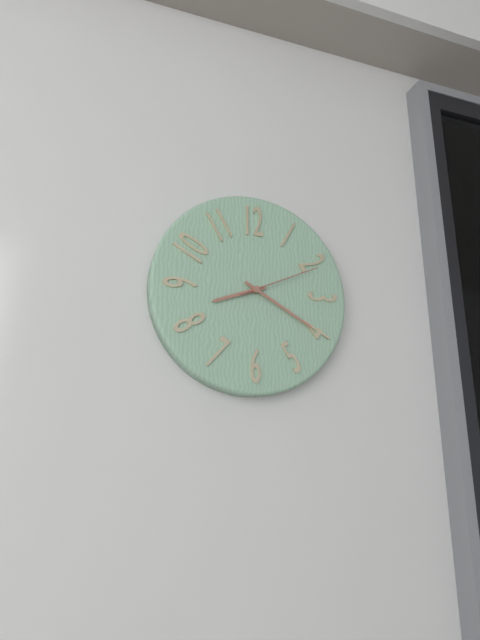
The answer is 8:20:11
